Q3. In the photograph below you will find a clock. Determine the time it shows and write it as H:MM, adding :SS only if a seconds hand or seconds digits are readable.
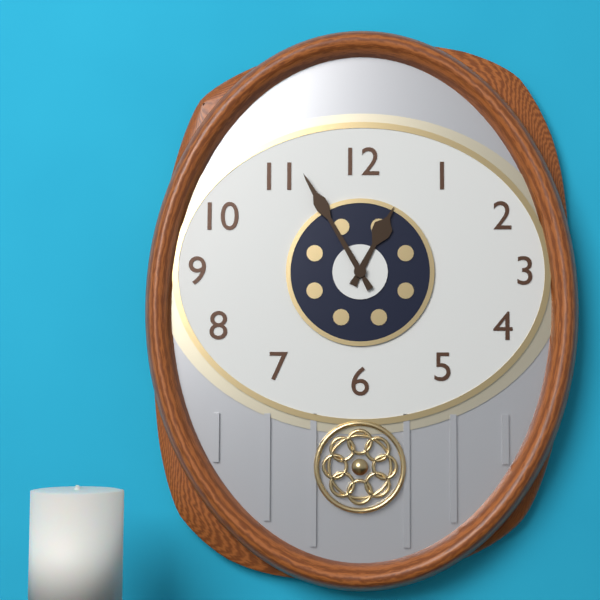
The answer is 12:55
